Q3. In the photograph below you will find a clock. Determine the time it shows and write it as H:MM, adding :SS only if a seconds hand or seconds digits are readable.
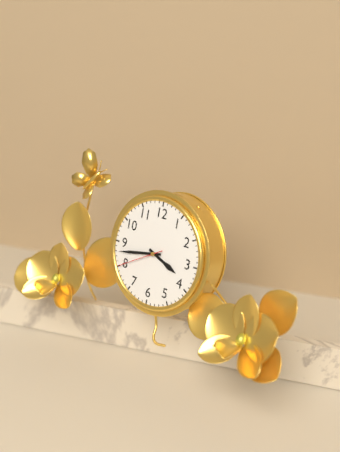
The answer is 3:43:40
